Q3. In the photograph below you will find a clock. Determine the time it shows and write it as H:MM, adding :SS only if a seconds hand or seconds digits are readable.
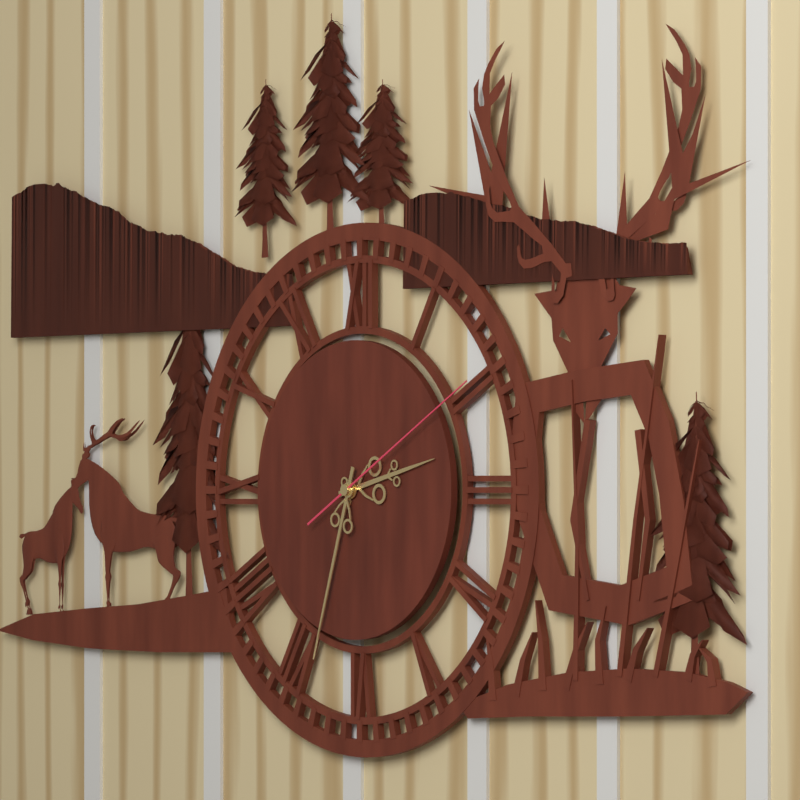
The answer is 2:33:10
